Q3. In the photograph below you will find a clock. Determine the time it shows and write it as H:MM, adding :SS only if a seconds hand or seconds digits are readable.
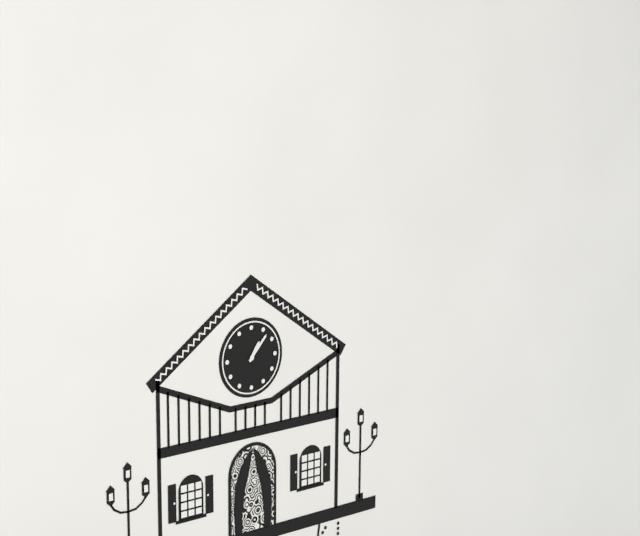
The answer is 1:07
